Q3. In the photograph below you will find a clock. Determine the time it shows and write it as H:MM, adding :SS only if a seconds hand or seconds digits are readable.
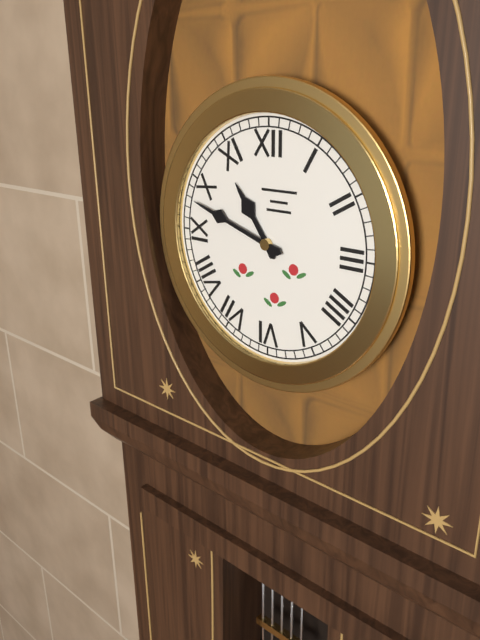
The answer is 10:48
